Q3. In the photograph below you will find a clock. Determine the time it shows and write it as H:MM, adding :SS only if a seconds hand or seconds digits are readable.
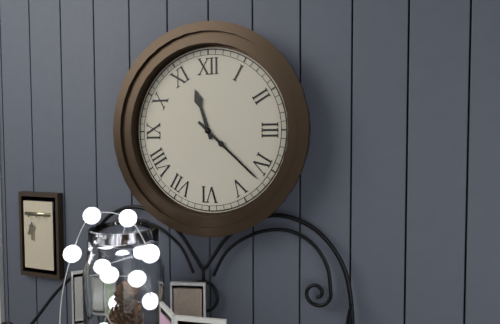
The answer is 11:22
